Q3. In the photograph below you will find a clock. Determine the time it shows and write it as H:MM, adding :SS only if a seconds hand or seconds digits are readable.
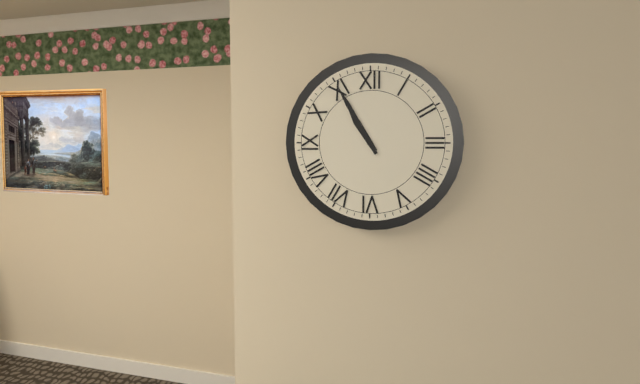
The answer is 10:55
